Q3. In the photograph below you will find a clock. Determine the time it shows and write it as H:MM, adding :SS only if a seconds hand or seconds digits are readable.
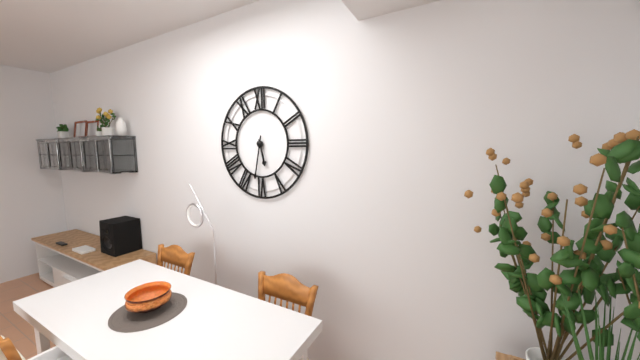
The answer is 5:32
